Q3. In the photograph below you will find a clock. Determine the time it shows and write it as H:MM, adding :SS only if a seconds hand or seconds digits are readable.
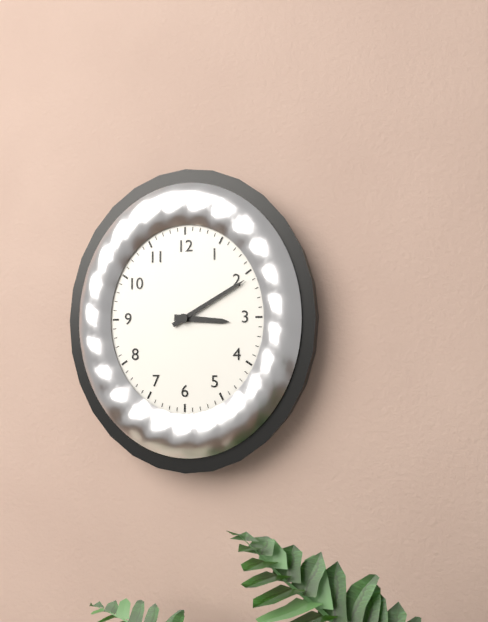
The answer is 3:10
